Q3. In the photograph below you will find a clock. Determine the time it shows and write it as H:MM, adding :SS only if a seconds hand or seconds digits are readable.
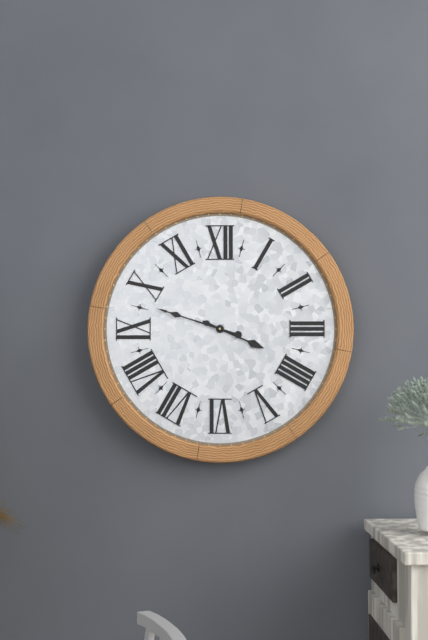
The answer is 3:48
